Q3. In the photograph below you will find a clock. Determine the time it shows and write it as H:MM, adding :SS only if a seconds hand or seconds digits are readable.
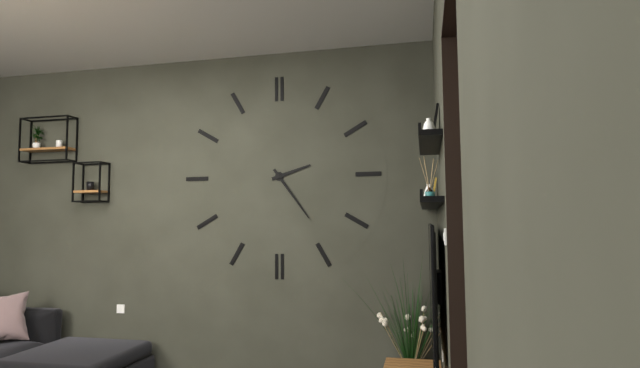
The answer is 2:24
